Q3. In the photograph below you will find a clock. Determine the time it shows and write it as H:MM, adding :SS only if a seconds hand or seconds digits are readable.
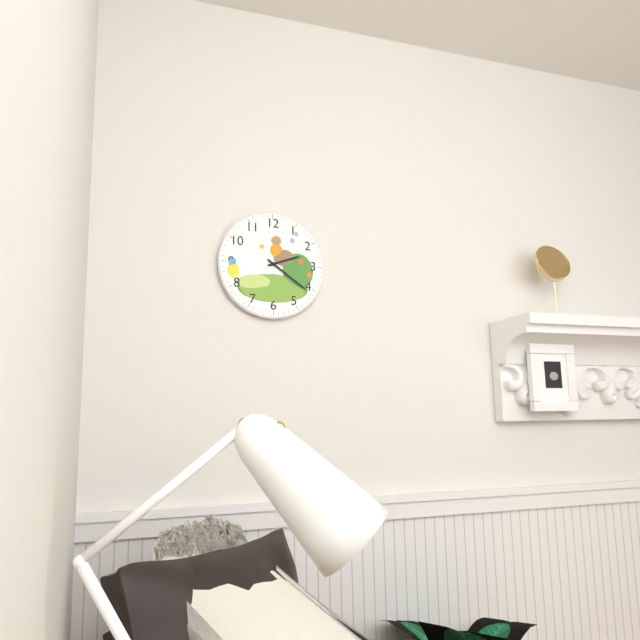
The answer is 2:21
